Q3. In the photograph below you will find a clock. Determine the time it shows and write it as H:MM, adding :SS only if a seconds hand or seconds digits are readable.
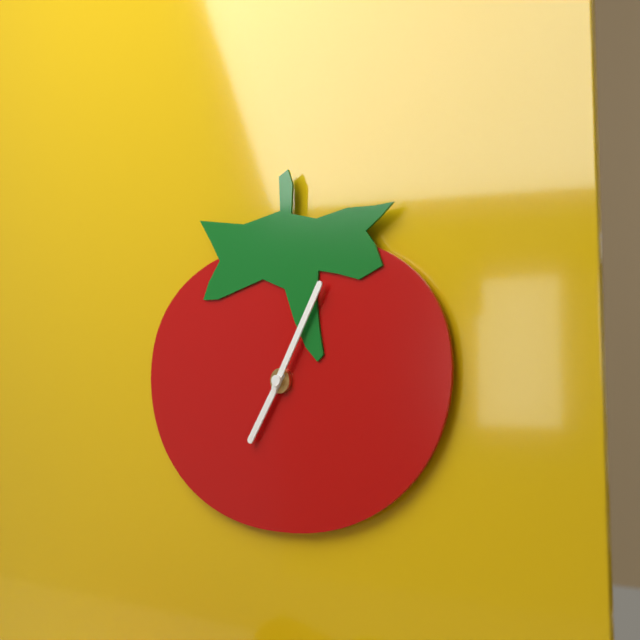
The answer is 7:05
